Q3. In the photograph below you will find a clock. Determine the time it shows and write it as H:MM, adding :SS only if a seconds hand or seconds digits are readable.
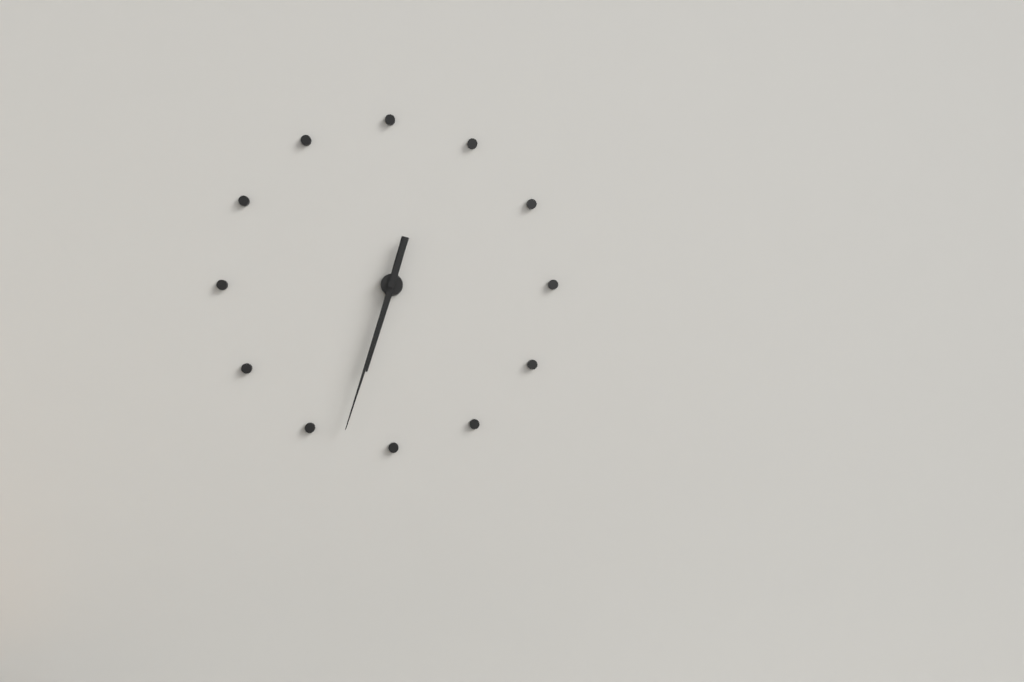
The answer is 6:33
